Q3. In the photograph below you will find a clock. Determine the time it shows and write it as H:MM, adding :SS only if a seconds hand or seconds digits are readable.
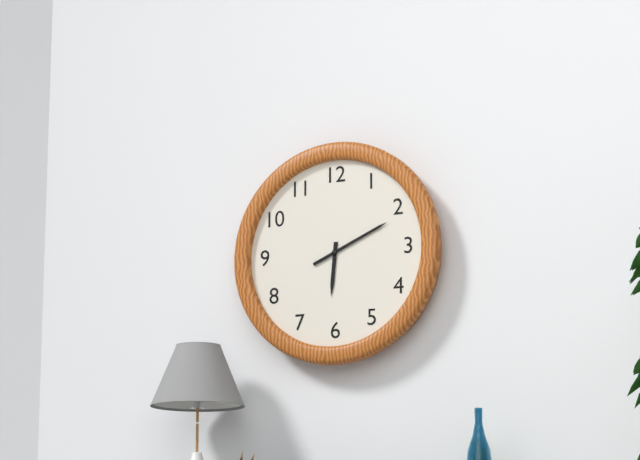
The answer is 6:11
